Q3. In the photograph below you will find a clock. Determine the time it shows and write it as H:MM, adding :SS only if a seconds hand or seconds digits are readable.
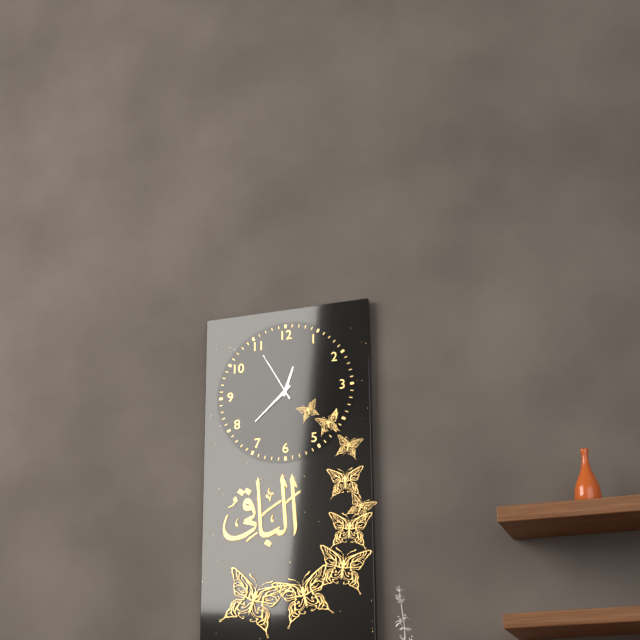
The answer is 12:38:55
